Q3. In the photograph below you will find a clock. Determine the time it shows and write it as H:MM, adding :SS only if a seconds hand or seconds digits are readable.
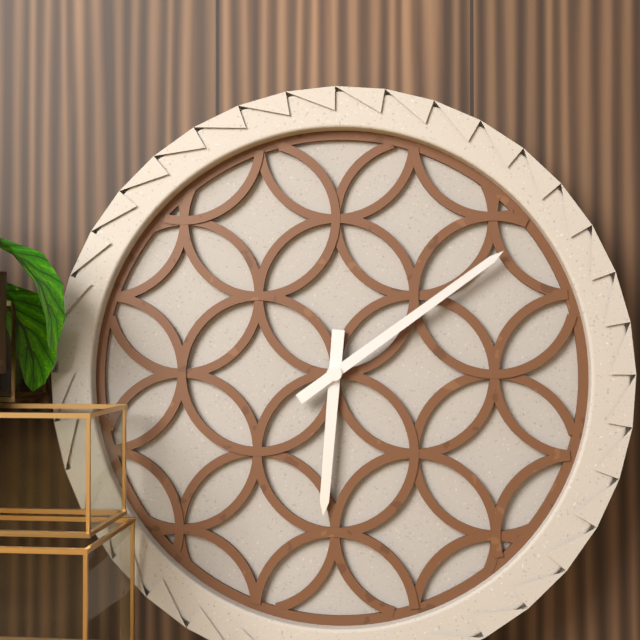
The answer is 6:09
